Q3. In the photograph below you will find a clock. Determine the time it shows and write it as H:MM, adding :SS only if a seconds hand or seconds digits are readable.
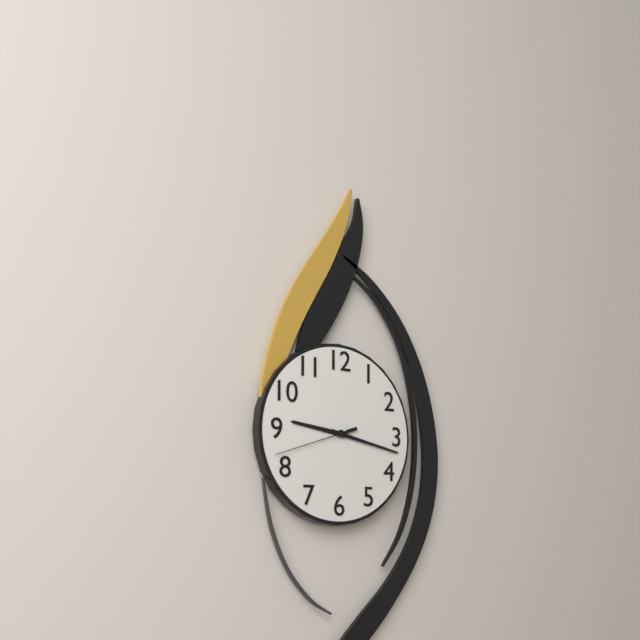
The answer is 9:17:42
